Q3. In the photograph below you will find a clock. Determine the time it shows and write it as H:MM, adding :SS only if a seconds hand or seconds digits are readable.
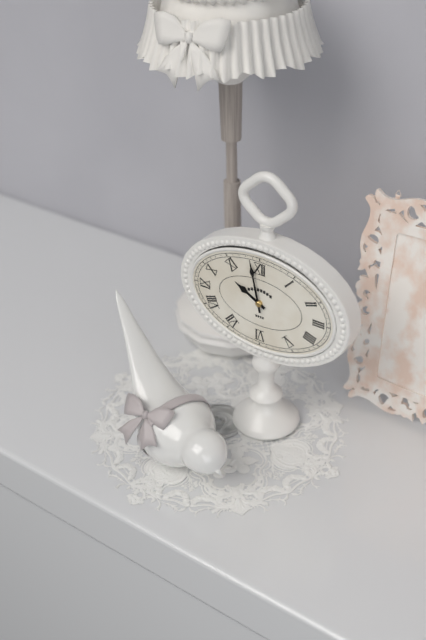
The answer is 9:58
